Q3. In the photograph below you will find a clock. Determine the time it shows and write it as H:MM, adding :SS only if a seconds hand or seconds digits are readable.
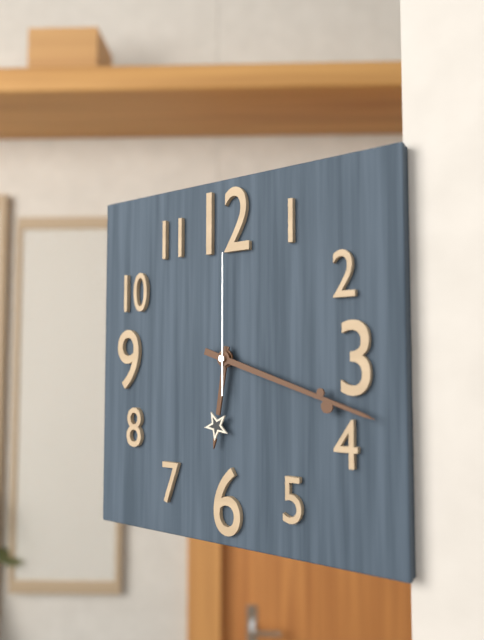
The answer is 6:18:00
